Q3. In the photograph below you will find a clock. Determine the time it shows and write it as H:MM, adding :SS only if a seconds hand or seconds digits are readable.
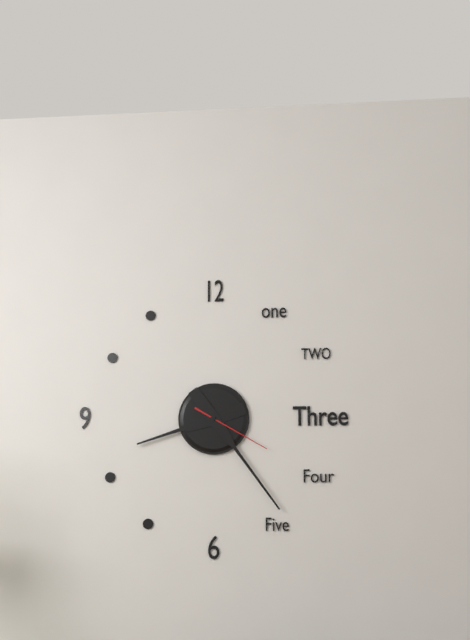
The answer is 8:24:20
